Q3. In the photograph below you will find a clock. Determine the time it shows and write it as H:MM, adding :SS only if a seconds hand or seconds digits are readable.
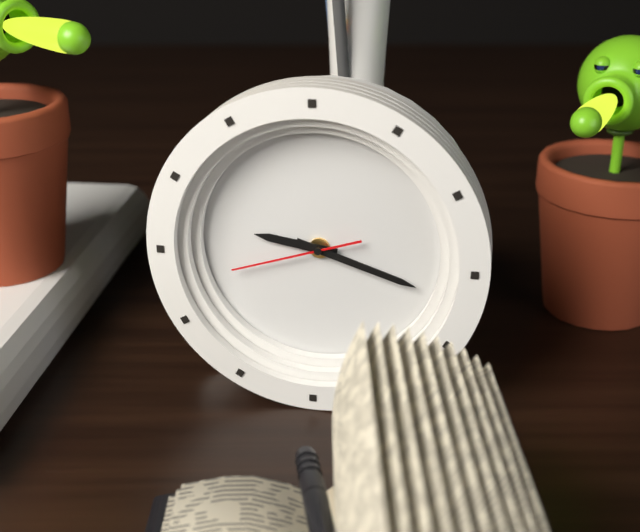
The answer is 9:18:42
